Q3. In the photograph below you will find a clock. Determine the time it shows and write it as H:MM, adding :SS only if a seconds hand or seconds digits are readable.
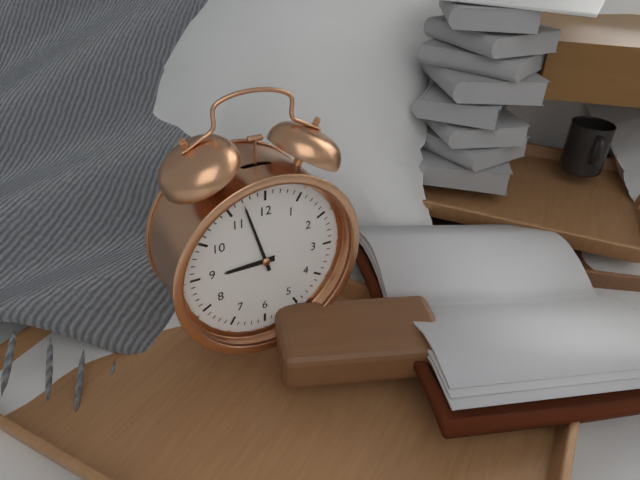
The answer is 8:57
